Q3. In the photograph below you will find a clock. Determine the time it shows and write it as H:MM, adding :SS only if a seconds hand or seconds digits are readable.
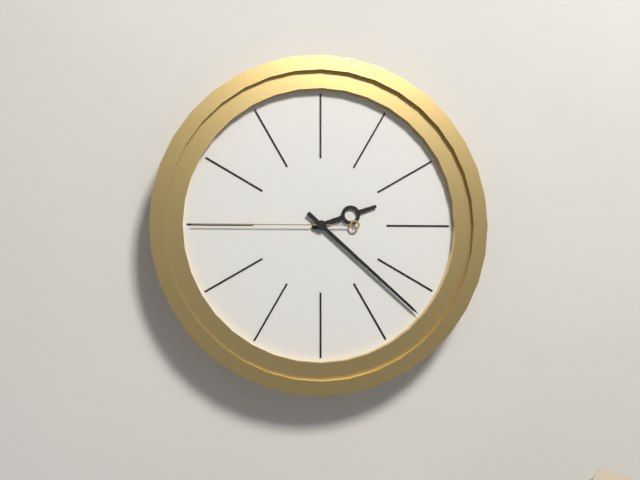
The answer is 2:22:45
